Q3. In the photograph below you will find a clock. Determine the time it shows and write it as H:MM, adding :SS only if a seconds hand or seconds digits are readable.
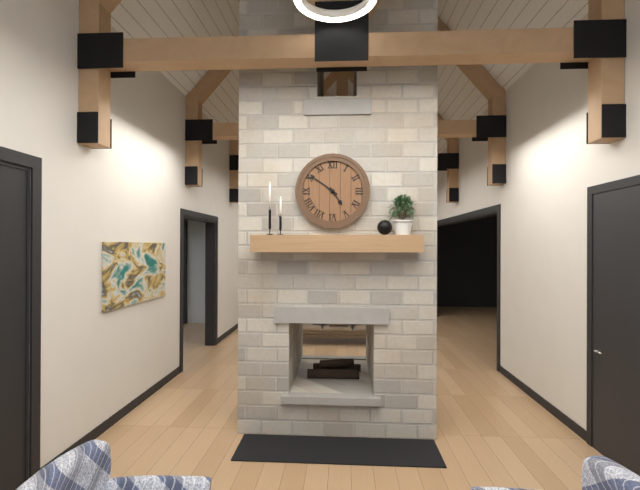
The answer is 4:51
